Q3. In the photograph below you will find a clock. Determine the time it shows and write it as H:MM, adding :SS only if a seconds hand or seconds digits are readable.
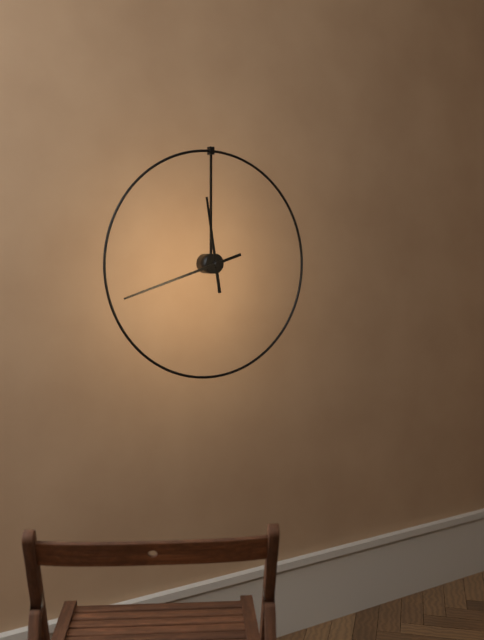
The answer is 11:42
